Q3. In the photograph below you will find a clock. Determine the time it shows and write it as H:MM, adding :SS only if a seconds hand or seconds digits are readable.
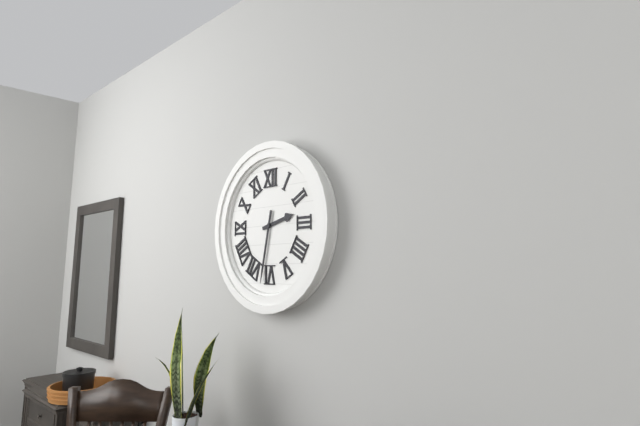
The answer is 2:32
